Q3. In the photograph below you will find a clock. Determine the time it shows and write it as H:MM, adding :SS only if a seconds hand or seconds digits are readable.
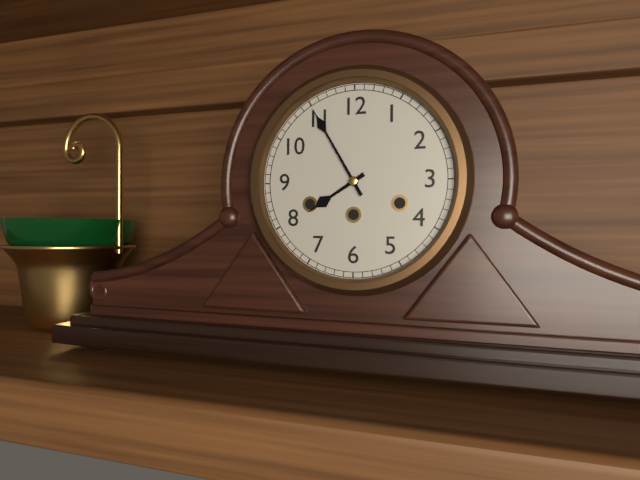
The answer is 7:55
